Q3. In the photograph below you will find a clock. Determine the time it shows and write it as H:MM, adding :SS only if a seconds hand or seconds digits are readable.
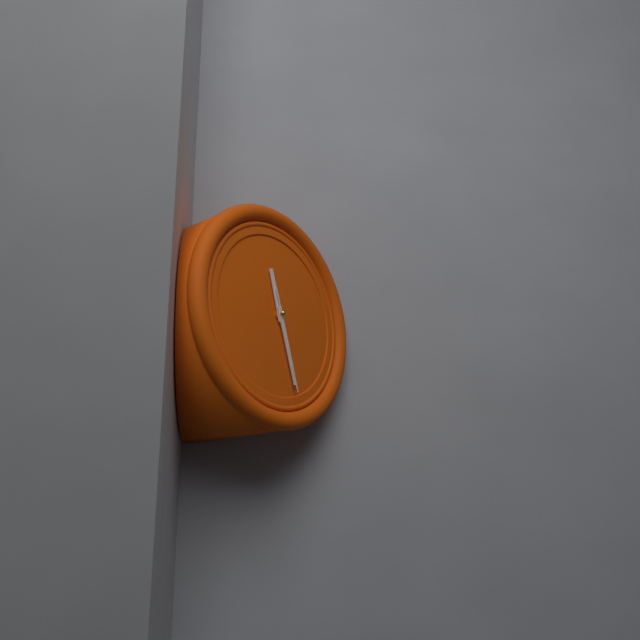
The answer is 11:27:27
